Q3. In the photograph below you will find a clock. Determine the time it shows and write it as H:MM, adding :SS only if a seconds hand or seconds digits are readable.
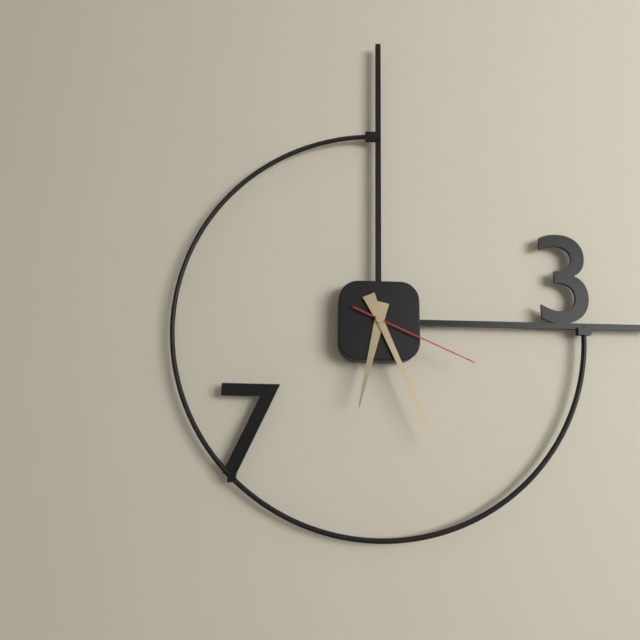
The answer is 6:26:19
